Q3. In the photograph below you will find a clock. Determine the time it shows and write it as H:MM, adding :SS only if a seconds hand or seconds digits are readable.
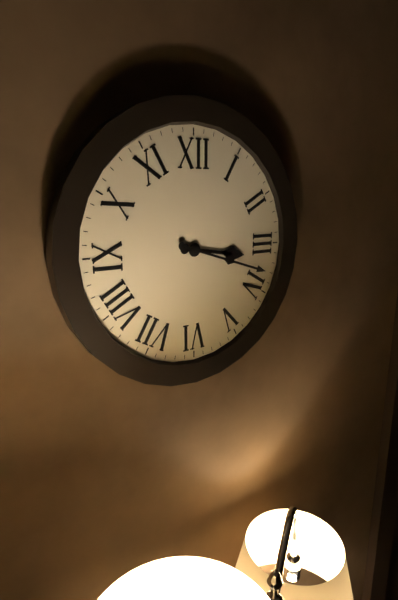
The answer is 3:18
